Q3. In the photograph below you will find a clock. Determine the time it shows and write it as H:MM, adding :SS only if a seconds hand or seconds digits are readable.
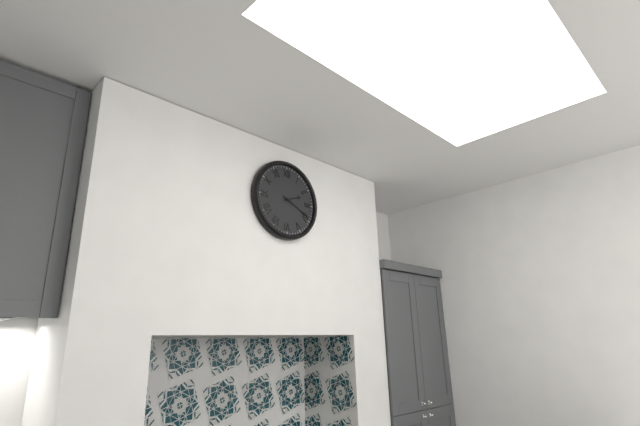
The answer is 2:19
